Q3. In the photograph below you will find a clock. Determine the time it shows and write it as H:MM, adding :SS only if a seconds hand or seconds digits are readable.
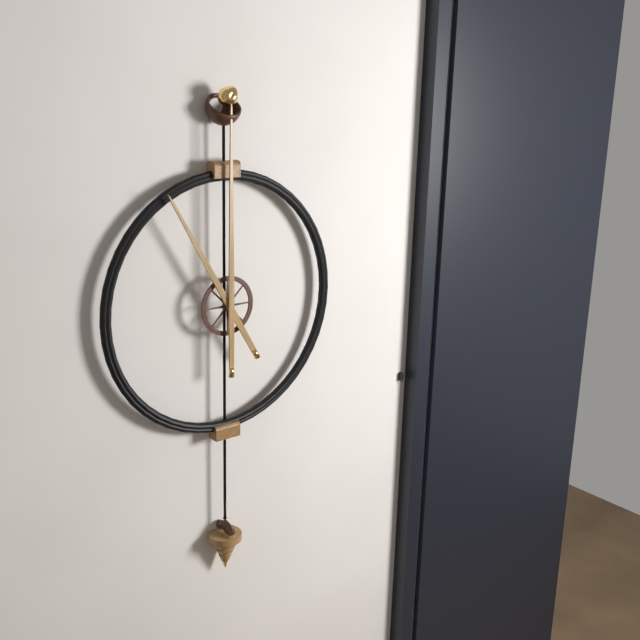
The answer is 11:00
